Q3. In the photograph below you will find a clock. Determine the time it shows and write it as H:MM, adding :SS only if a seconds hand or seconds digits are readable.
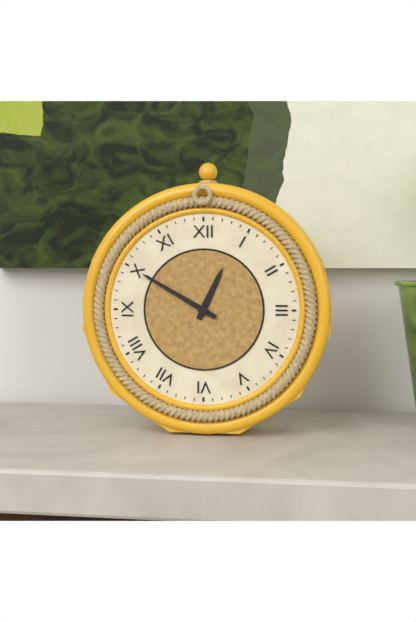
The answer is 12:50
